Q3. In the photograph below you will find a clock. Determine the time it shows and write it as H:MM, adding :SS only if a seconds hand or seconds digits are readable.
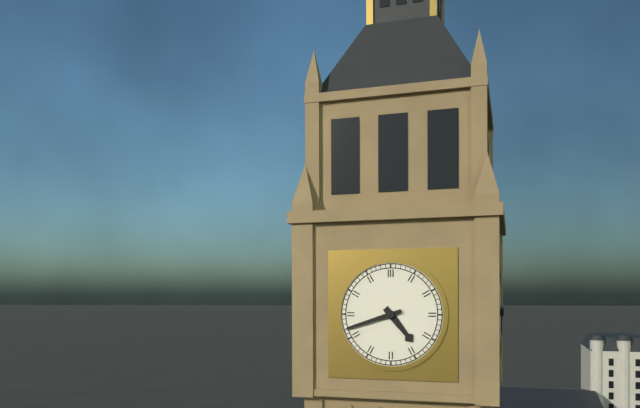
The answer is 4:42
